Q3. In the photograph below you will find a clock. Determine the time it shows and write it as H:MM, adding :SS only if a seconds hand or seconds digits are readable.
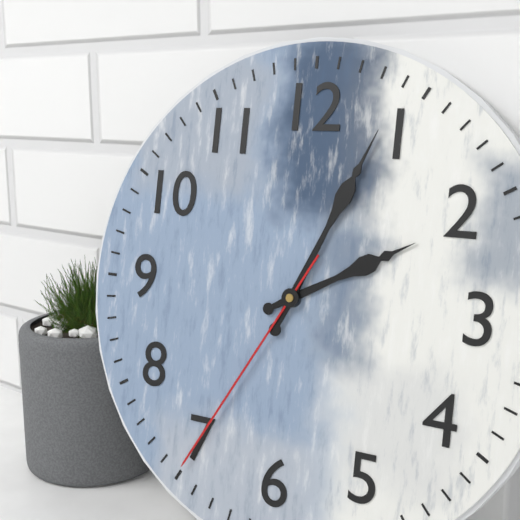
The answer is 2:04:35
